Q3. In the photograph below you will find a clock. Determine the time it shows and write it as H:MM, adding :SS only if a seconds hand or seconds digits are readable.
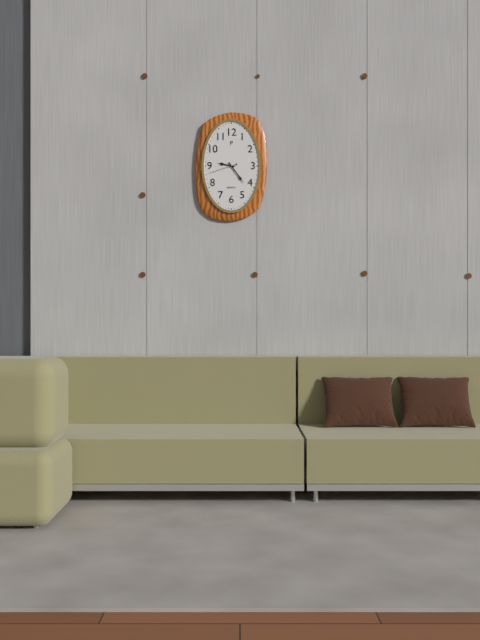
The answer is 9:24
